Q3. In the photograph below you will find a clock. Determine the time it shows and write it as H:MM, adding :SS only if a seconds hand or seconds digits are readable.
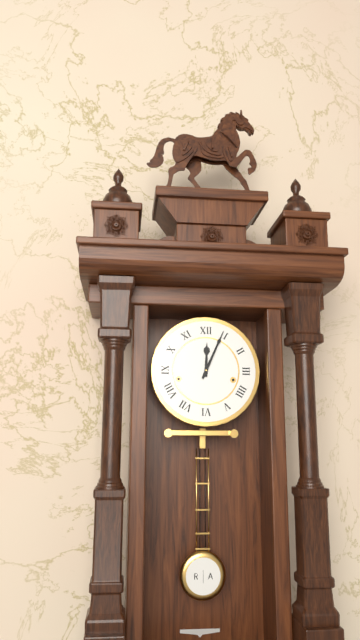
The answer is 12:04
